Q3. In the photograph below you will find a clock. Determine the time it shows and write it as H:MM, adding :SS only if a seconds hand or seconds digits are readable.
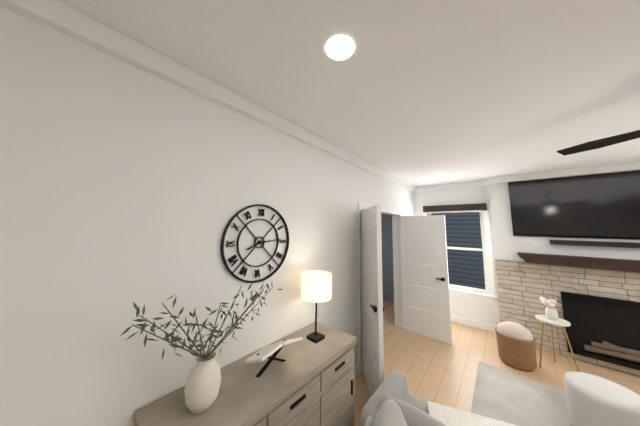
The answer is 8:14
